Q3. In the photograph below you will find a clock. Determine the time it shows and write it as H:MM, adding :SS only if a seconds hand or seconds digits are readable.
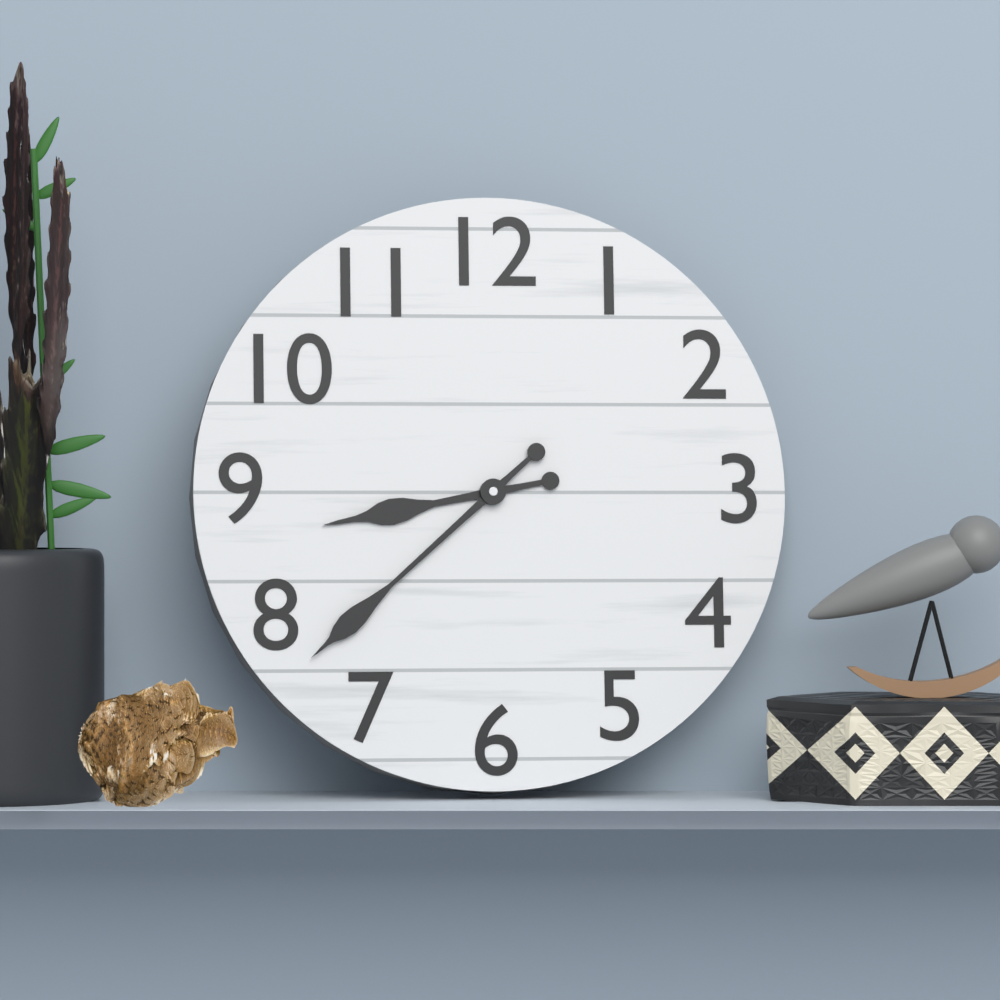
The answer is 8:38
